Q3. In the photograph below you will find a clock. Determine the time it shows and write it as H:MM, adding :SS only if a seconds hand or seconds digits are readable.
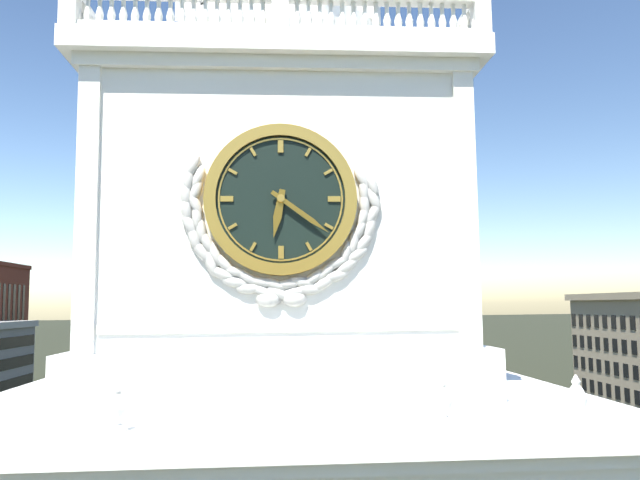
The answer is 6:21
